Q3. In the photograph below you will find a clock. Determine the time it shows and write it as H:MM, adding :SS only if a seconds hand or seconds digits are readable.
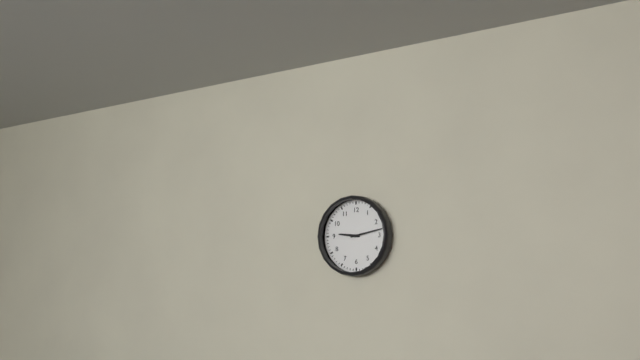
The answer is 9:13
